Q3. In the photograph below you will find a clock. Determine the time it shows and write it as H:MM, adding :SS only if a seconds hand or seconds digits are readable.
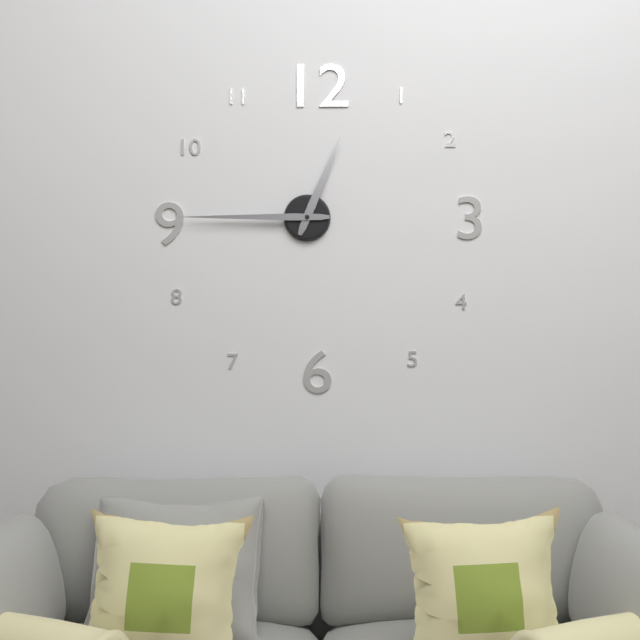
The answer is 12:45
